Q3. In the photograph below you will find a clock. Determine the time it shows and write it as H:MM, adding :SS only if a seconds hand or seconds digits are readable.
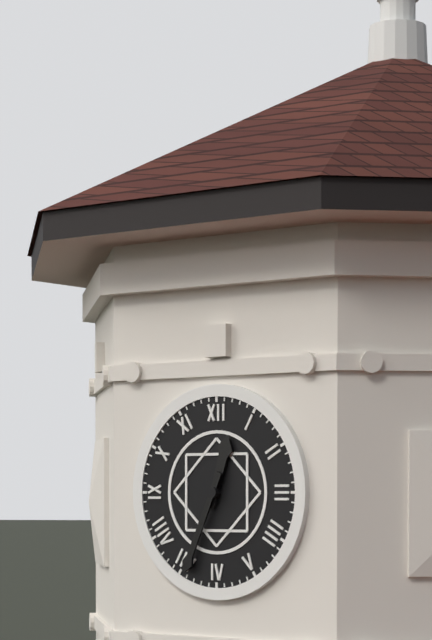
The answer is 12:34
